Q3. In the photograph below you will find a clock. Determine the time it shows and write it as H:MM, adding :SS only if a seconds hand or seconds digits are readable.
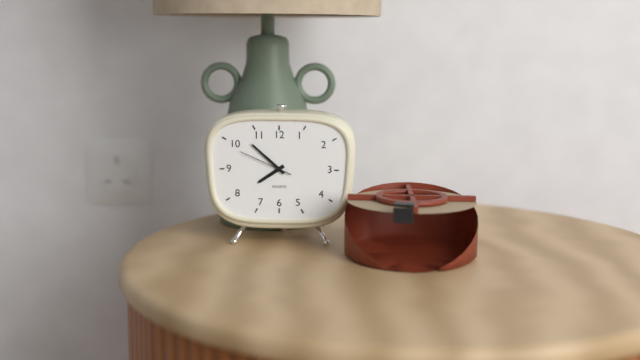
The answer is 7:52:49
